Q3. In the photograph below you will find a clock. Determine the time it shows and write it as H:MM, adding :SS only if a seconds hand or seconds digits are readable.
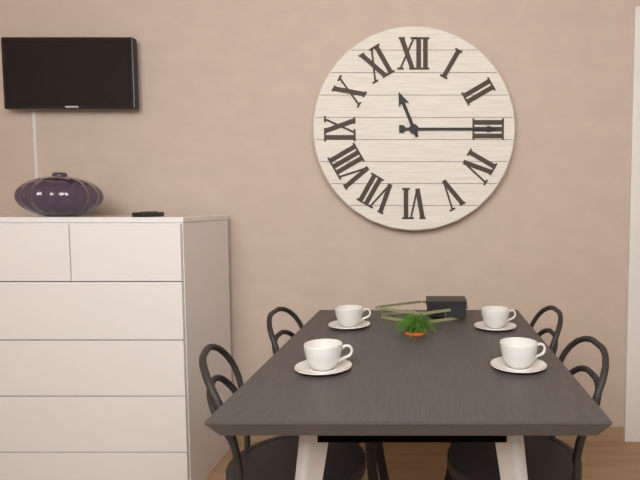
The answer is 11:15
